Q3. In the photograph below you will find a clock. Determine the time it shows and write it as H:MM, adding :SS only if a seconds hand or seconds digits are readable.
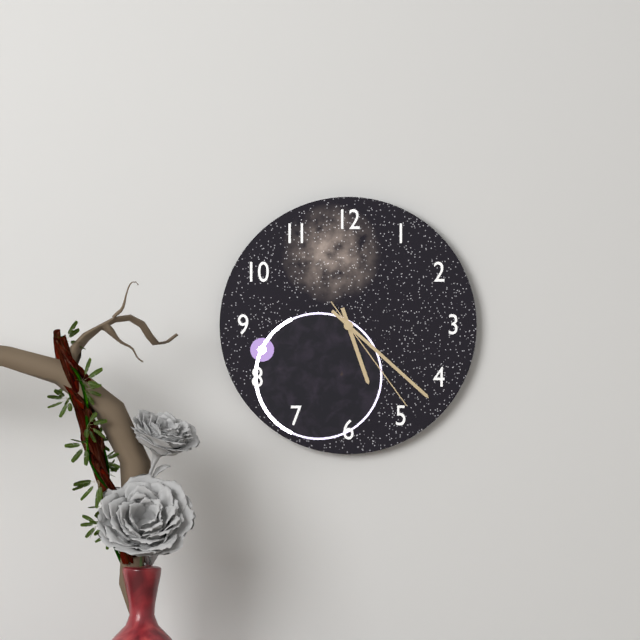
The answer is 5:22:24
